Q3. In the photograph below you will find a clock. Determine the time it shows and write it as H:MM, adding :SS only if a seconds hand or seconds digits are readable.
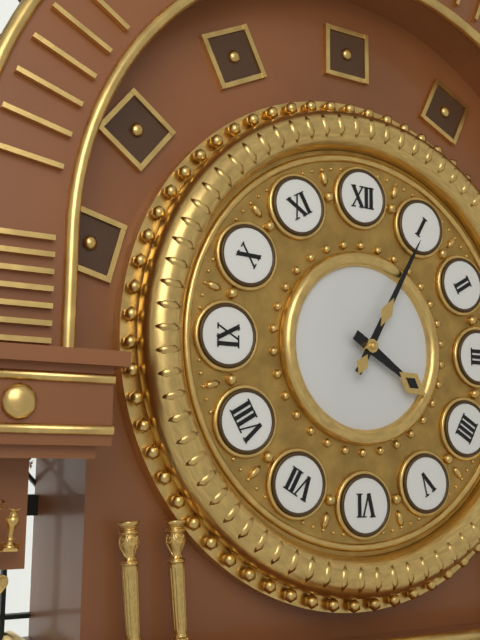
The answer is 4:05
